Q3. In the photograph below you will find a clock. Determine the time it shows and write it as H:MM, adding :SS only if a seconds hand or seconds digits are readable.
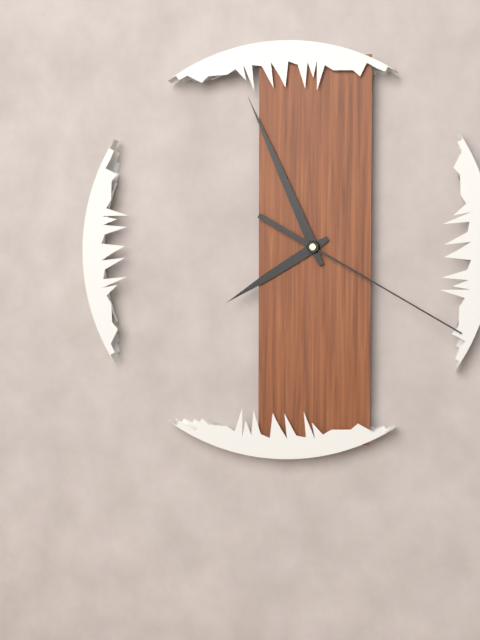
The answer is 7:56:20
